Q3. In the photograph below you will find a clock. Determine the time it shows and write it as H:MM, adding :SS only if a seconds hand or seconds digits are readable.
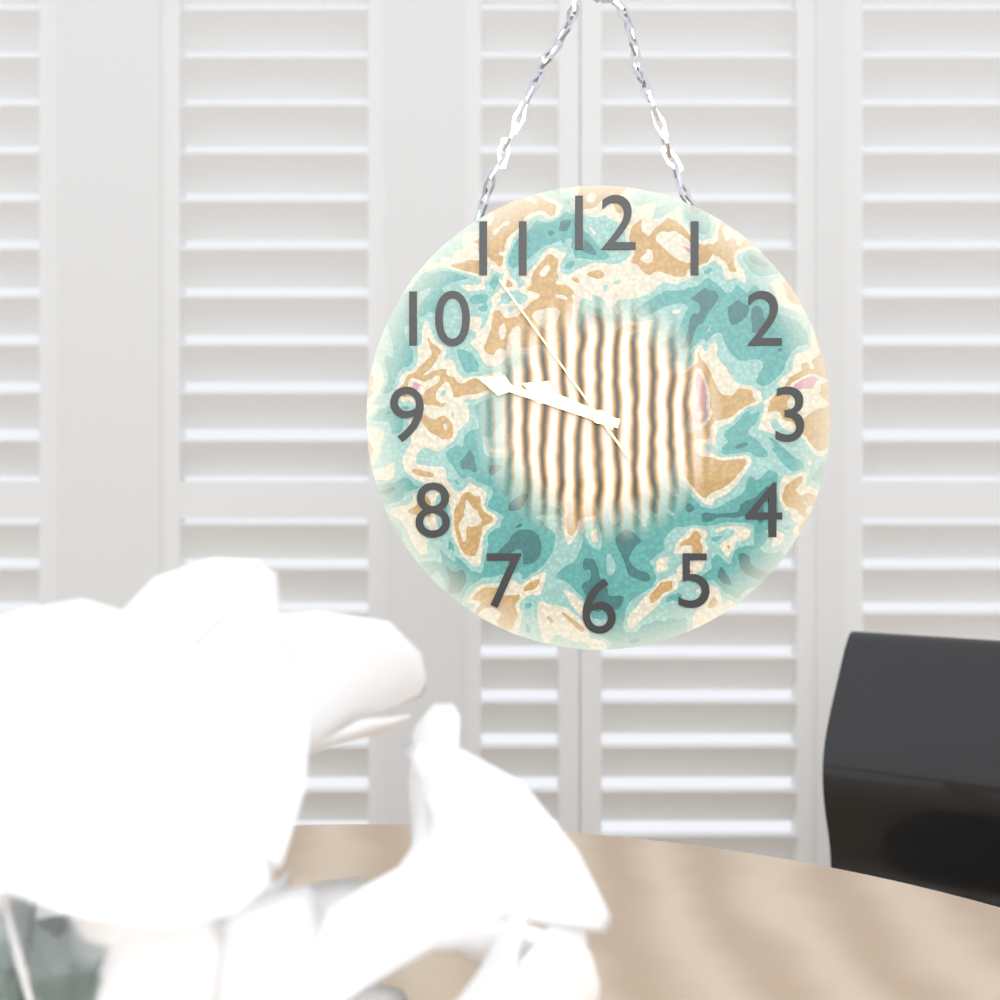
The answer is 9:48:54
